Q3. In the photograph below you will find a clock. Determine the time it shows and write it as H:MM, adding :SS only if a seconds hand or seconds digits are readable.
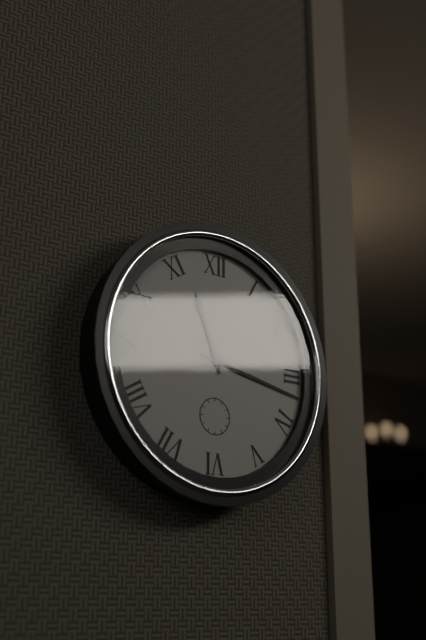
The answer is 11:17
